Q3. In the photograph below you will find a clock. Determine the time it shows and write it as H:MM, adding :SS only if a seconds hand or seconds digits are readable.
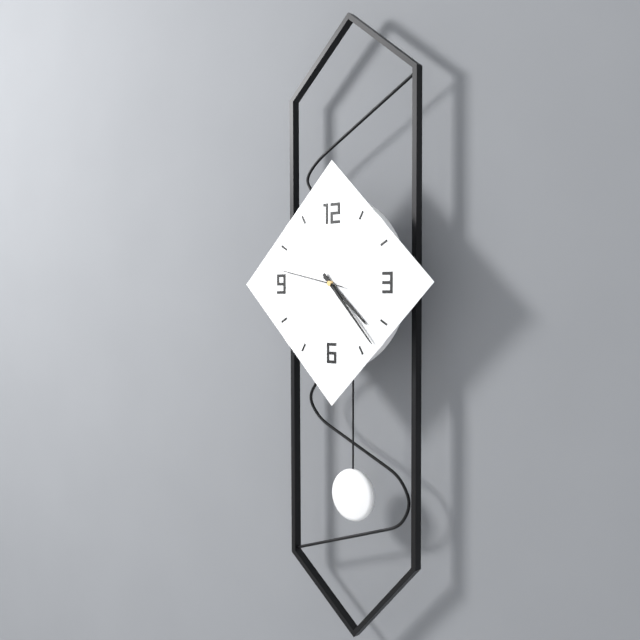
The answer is 4:23:47
